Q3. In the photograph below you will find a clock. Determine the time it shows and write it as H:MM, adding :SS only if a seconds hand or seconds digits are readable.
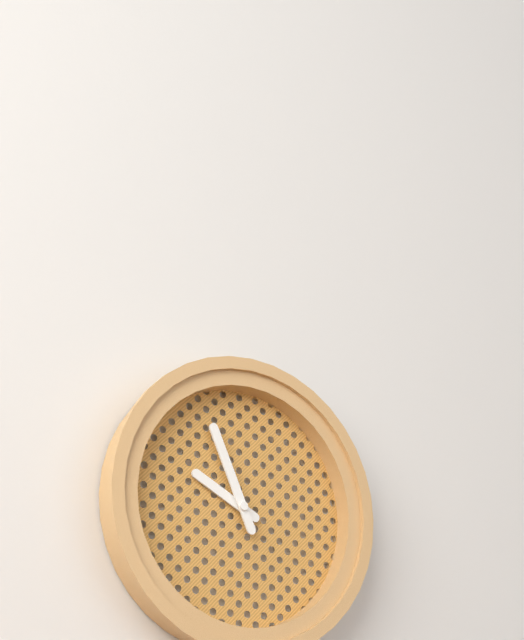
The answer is 9:56
